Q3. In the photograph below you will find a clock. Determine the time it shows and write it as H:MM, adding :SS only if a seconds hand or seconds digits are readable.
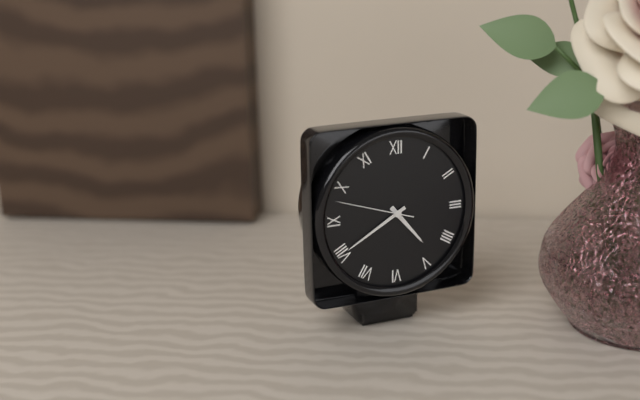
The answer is 4:40:48
